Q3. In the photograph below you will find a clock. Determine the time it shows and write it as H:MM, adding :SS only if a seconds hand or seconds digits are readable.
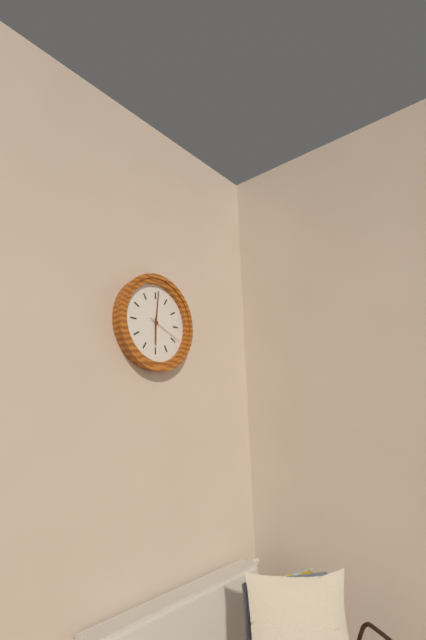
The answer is 6:01
